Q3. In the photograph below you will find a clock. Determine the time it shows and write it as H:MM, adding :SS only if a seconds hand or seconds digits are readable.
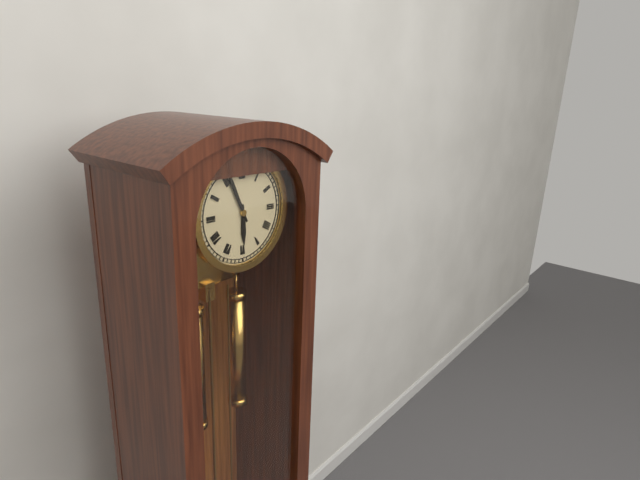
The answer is 5:56
